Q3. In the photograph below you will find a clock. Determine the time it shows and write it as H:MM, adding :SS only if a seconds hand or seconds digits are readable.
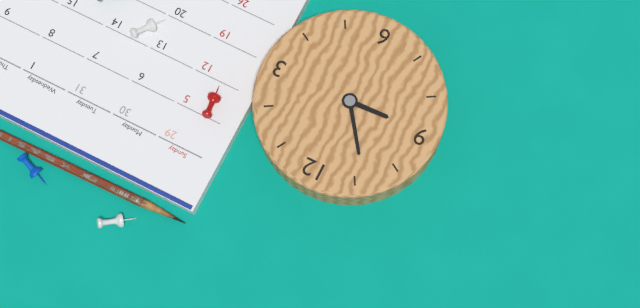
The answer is 8:54
